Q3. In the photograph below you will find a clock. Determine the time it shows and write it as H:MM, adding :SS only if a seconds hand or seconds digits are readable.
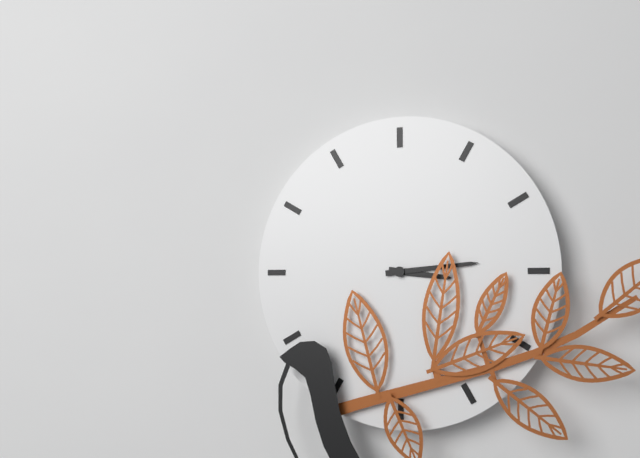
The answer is 3:14
